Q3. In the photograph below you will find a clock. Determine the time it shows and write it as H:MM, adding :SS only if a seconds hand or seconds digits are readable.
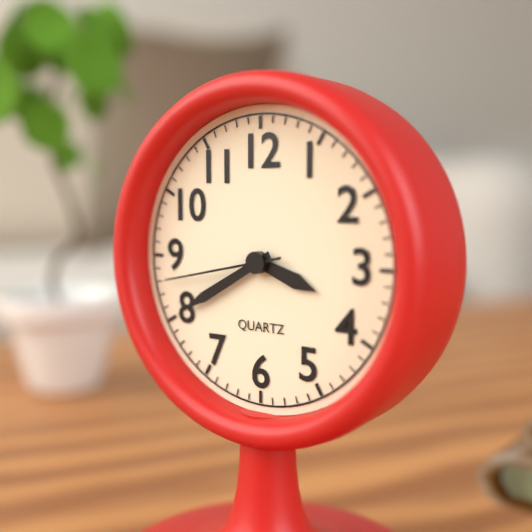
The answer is 3:40:43
